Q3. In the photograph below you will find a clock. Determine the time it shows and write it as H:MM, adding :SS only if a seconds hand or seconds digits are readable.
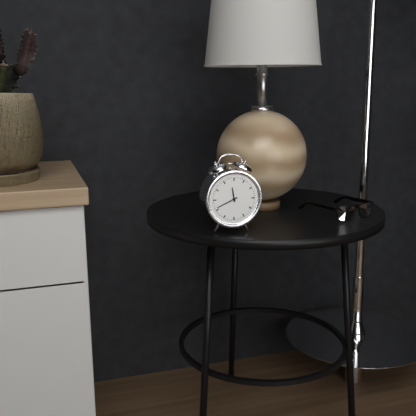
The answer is 11:41
